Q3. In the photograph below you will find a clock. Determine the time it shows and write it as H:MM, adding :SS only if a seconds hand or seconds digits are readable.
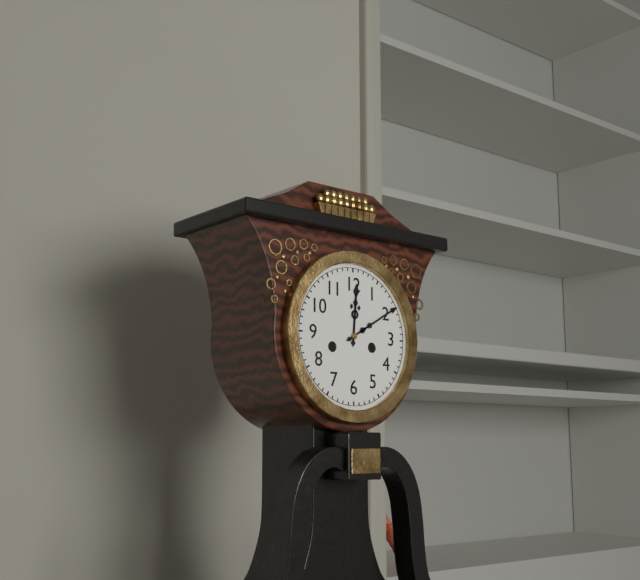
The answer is 12:10
